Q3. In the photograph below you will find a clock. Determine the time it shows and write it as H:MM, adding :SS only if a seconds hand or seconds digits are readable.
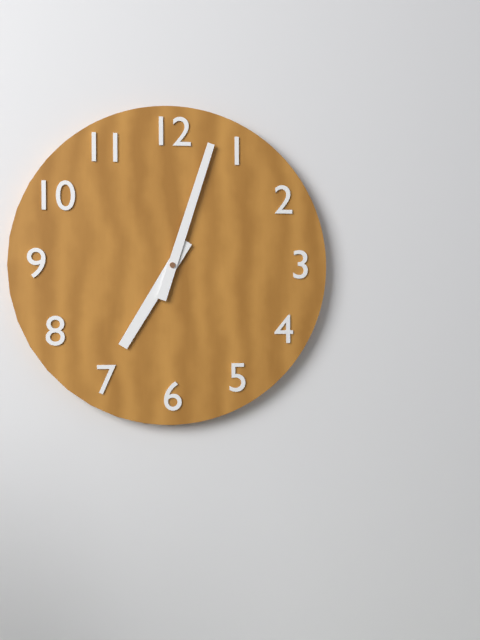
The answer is 7:03
